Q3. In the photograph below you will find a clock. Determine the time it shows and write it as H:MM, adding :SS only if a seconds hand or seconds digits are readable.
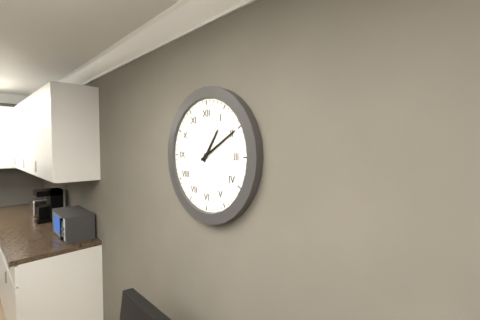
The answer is 1:10
